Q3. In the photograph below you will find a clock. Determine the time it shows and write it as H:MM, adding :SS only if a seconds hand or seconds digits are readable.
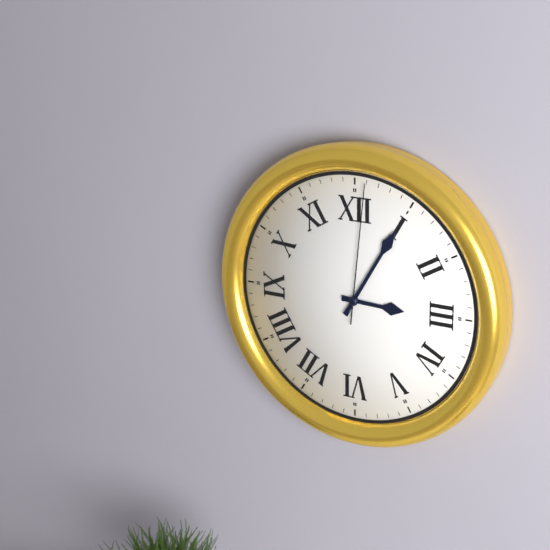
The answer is 3:05:01
